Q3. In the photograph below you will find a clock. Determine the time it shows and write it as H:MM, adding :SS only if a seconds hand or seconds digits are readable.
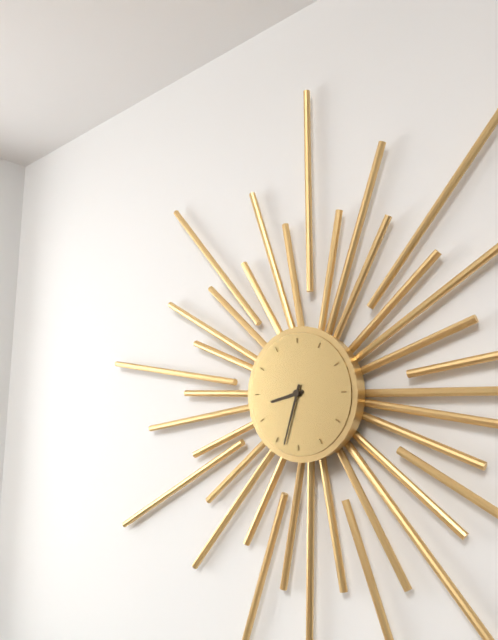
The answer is 8:33
